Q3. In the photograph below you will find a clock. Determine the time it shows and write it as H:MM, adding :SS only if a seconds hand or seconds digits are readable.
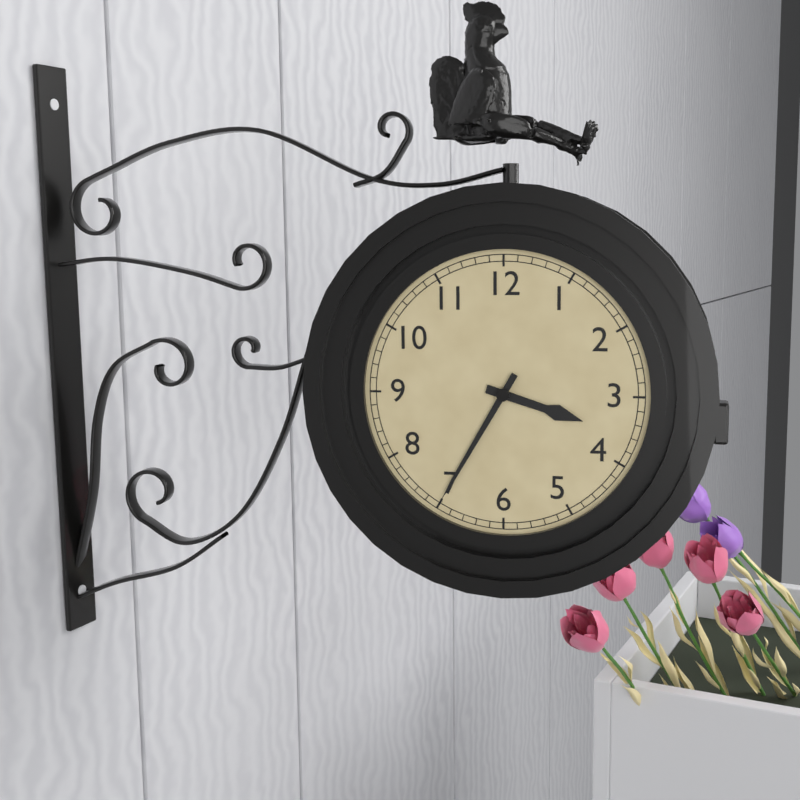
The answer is 3:35
